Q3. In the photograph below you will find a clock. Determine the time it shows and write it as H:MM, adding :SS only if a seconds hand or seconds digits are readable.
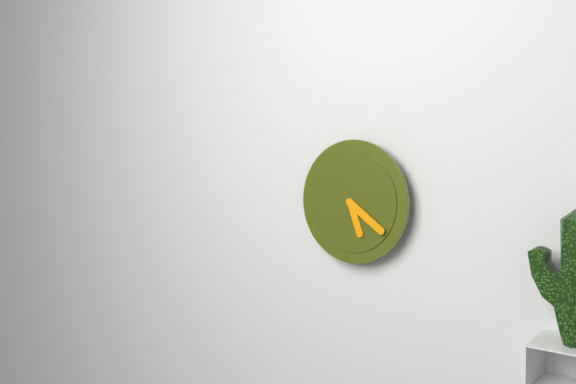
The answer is 5:21
